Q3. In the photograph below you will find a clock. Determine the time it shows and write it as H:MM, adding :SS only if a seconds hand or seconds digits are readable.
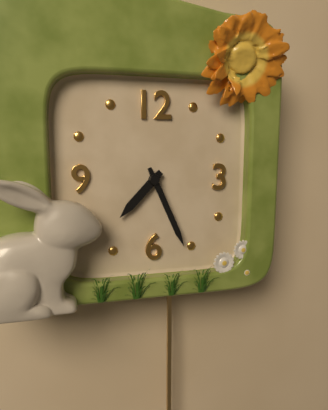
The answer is 7:26
